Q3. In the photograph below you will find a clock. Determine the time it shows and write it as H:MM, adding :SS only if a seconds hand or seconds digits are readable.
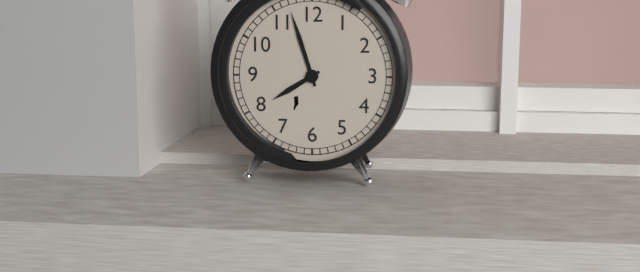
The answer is 7:57
